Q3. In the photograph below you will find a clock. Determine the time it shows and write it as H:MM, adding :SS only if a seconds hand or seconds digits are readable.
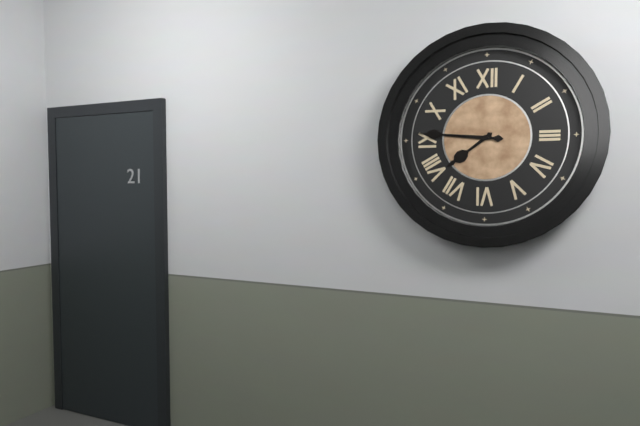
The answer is 7:46
